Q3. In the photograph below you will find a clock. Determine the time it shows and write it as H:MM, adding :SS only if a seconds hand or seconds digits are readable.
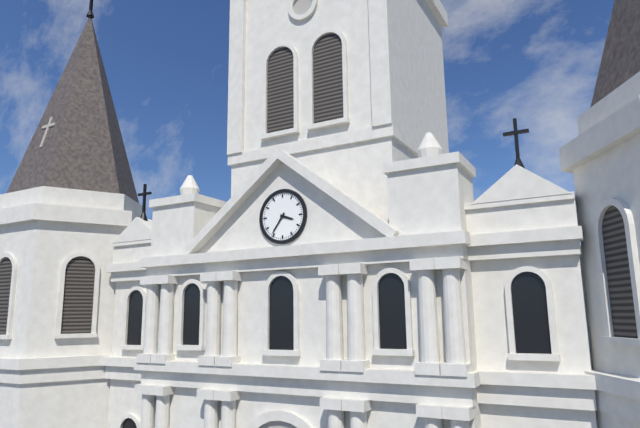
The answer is 3:36
